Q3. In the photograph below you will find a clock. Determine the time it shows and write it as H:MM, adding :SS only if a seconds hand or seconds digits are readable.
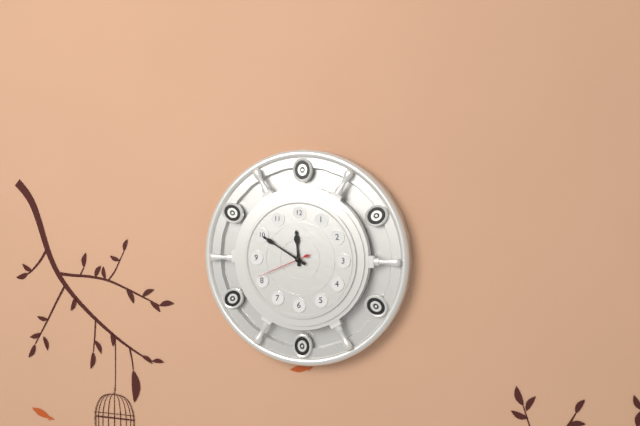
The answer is 11:50:41
